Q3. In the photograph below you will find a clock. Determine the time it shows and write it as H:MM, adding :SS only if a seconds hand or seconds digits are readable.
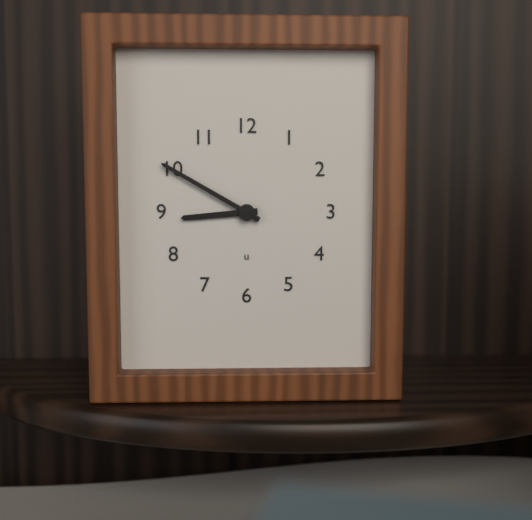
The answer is 8:50
